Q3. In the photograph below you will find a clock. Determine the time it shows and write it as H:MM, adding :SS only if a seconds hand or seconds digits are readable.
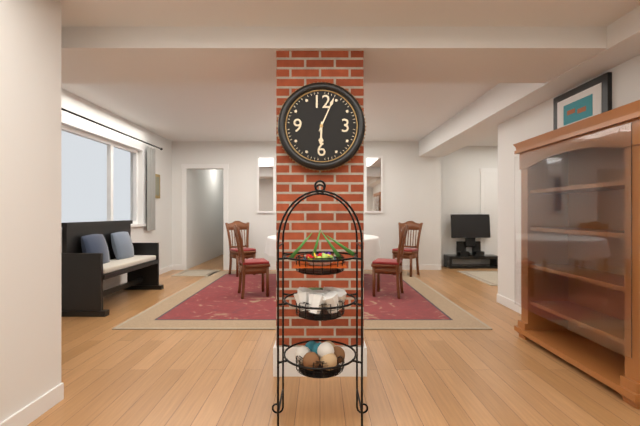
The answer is 6:04
